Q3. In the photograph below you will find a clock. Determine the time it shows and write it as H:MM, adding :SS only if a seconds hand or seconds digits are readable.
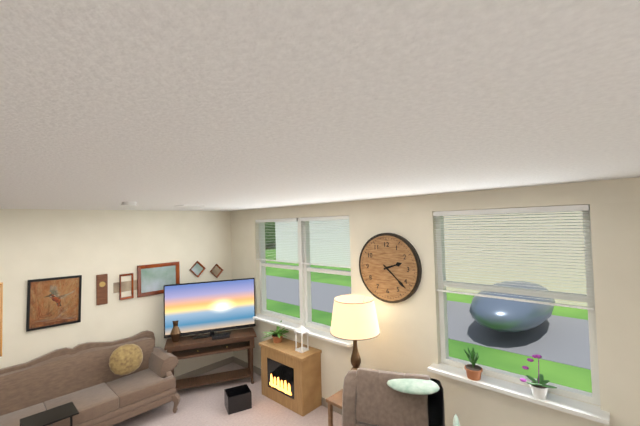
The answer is 2:22
